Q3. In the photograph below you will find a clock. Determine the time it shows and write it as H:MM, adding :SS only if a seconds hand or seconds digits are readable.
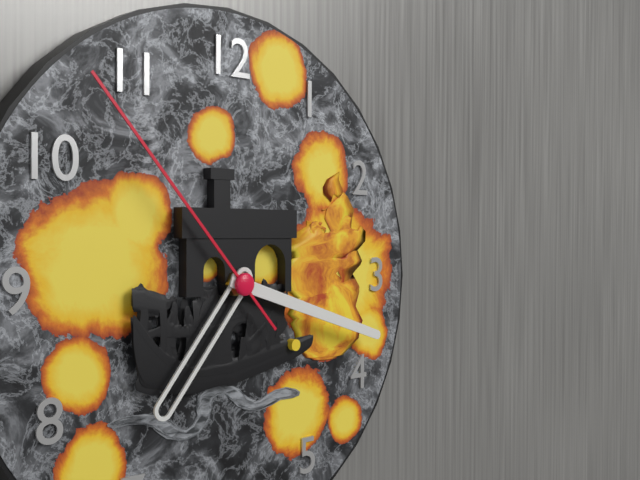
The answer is 7:18:53
